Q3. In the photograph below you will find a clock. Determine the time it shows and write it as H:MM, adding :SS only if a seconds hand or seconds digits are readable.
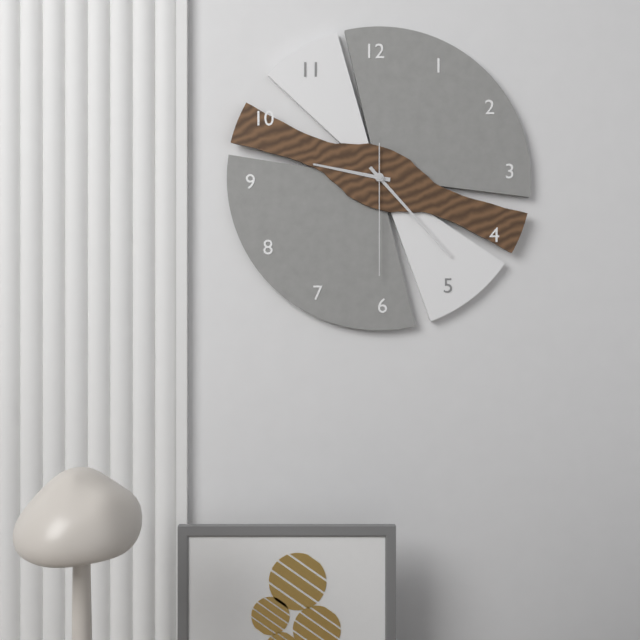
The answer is 9:23:30
